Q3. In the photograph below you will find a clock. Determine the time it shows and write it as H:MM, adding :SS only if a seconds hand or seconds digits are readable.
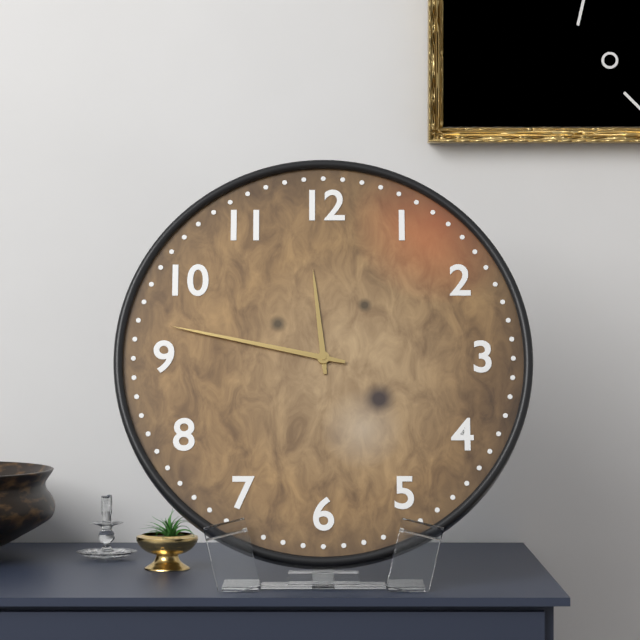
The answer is 11:47
